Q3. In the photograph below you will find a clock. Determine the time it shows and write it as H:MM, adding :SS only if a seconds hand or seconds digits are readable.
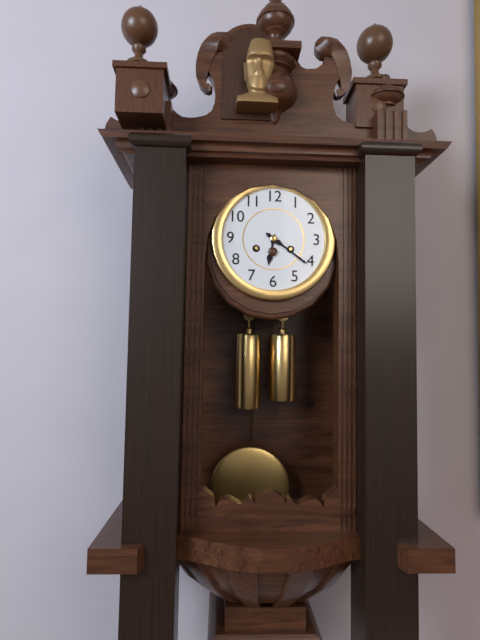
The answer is 6:21
